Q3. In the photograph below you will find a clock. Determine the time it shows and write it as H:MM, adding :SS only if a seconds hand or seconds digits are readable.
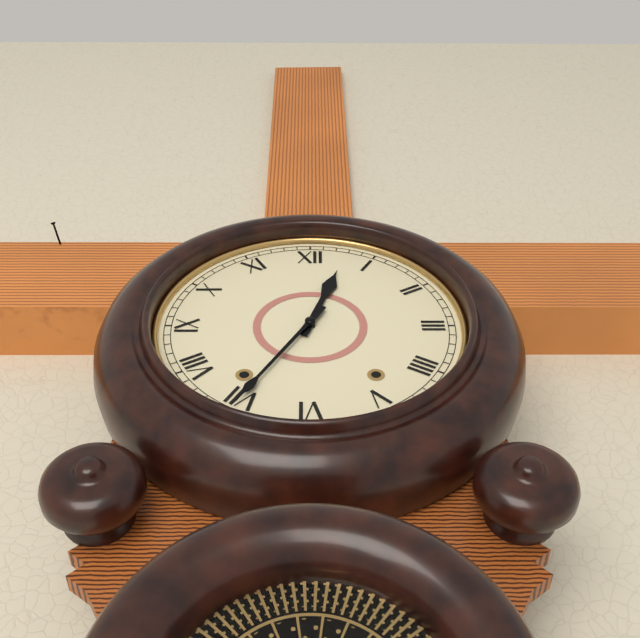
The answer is 12:35
